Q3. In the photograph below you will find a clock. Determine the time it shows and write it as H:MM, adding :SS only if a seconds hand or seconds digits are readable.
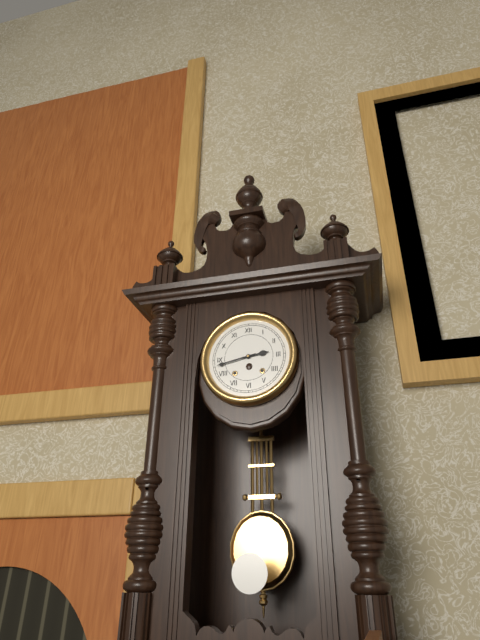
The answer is 2:43
